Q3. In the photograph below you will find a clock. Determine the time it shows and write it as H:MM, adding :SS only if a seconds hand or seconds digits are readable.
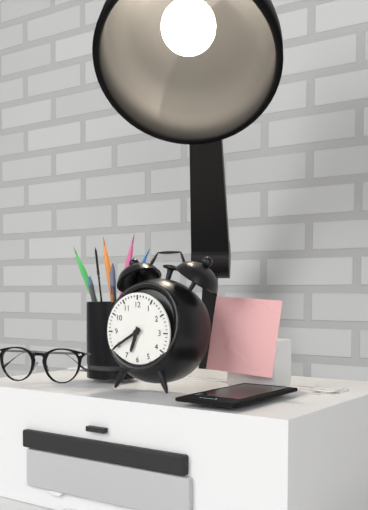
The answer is 6:40
